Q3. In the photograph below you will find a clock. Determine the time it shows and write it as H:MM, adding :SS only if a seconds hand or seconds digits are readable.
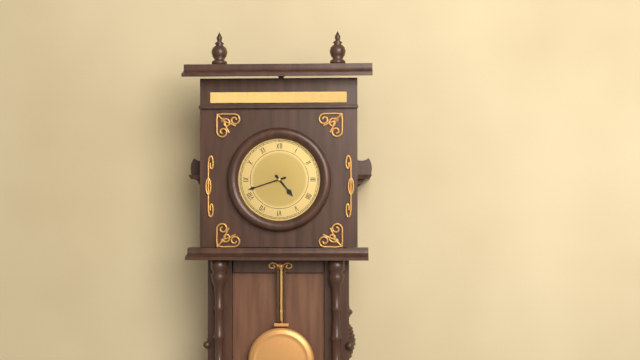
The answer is 4:42
